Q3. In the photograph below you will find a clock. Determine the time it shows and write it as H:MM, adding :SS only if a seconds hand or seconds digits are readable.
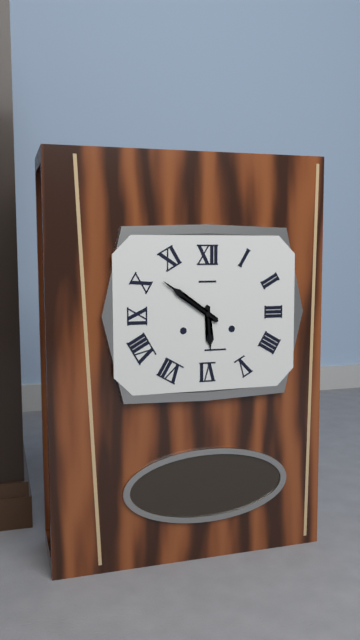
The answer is 5:51
